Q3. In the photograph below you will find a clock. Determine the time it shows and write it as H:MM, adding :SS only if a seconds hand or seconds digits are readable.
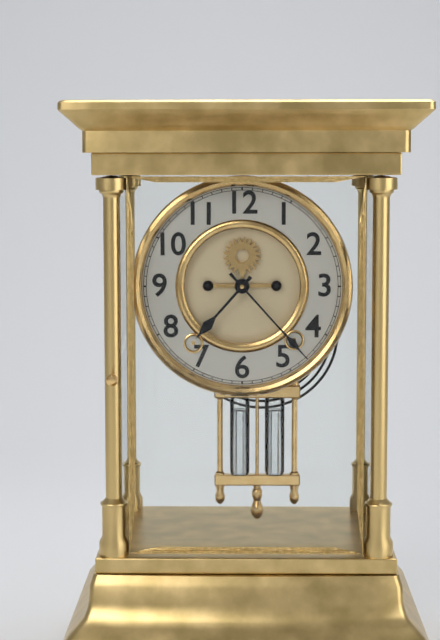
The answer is 7:23
